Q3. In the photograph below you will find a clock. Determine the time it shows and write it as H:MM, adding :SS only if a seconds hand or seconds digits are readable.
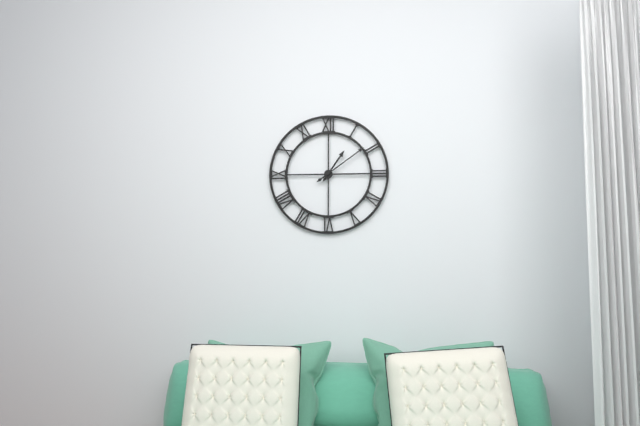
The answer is 1:09
